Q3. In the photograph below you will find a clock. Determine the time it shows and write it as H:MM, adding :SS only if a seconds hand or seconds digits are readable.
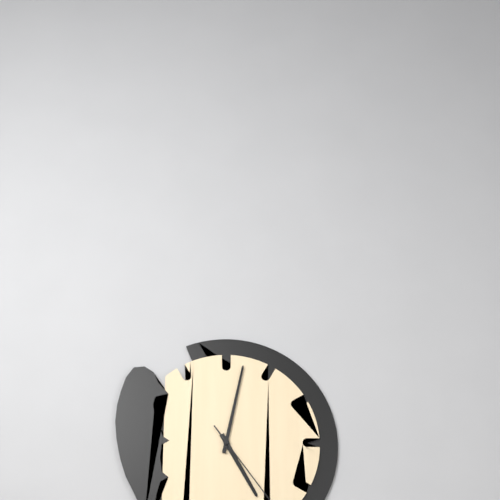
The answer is 5:02
